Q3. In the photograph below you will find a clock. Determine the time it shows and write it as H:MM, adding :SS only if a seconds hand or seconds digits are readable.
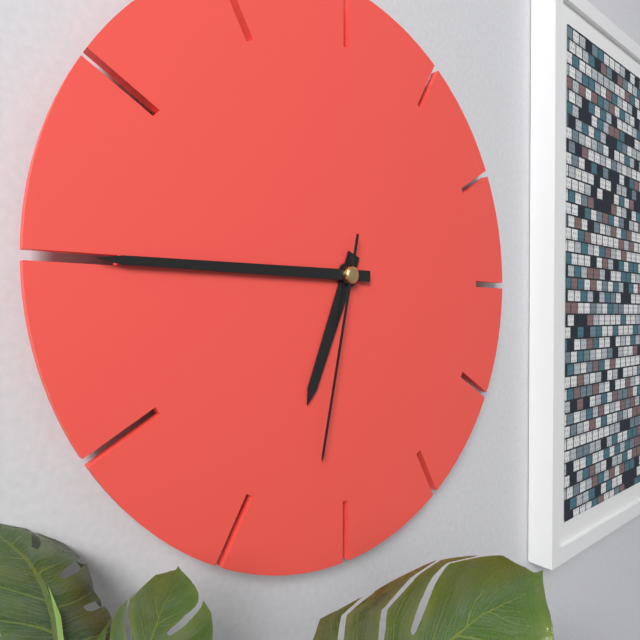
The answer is 6:45:32
